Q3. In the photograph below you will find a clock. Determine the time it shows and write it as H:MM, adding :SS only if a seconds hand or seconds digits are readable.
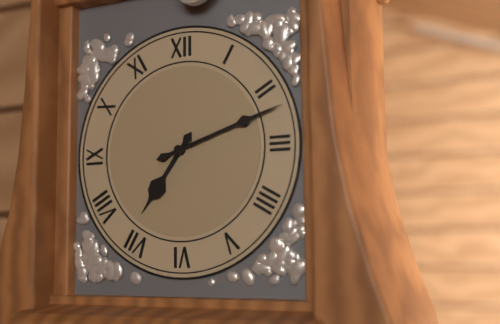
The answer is 7:12
